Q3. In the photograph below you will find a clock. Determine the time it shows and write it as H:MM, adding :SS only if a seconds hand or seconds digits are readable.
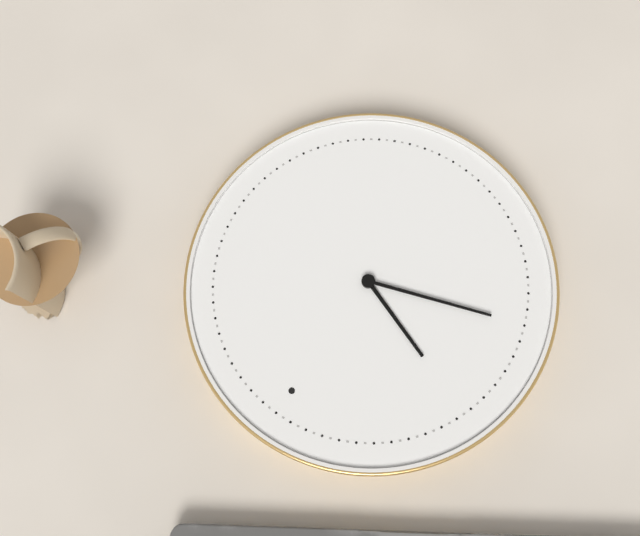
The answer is 9:42
